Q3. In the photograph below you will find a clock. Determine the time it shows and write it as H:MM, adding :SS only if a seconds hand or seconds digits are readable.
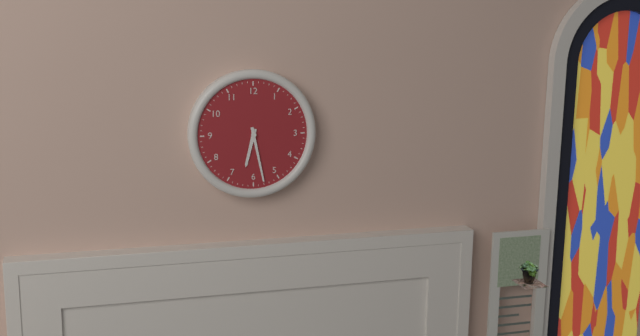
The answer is 6:28
